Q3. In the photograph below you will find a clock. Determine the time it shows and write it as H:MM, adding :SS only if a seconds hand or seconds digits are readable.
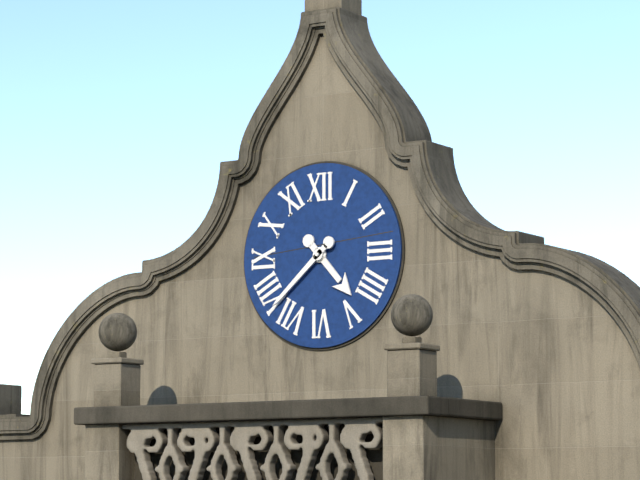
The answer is 4:38
